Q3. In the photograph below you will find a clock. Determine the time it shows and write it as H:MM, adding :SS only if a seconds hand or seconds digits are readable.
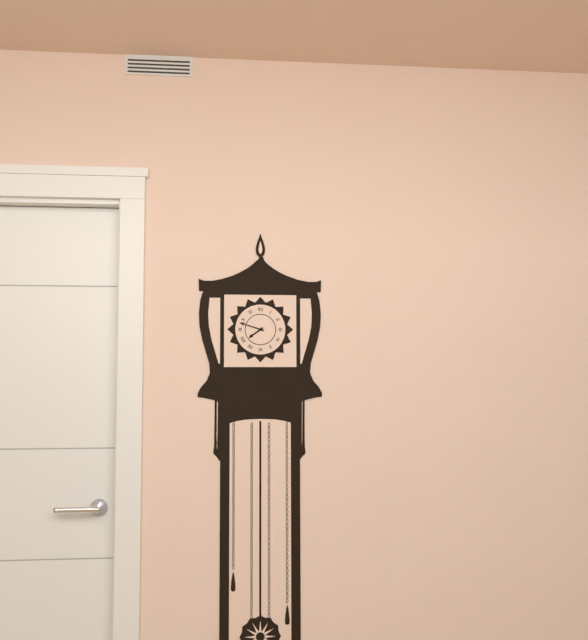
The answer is 7:48
